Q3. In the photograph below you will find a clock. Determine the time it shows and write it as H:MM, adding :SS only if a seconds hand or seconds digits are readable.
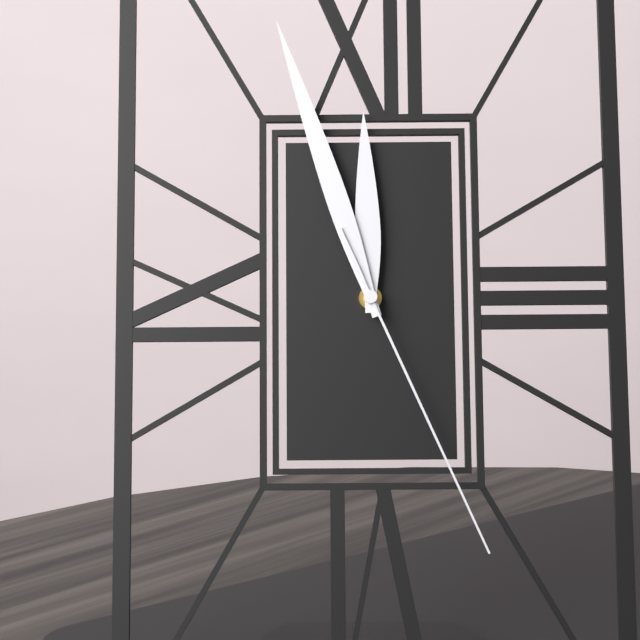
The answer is 11:57:26
